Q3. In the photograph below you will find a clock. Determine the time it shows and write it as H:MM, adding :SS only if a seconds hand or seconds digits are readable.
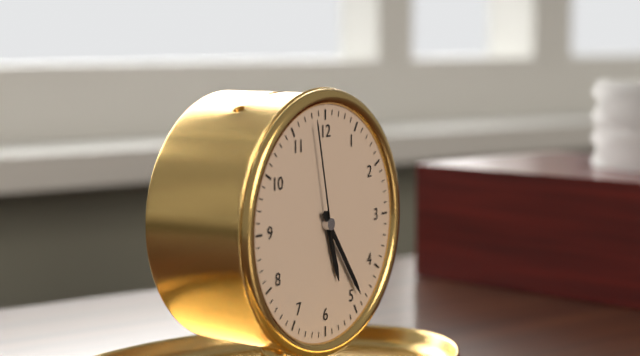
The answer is 5:24:58
